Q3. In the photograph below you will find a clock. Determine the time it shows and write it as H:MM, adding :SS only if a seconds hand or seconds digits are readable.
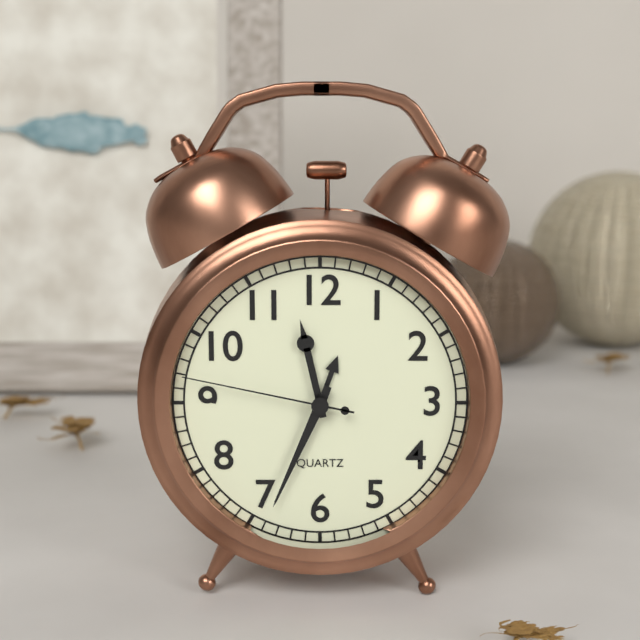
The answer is 11:34:47
